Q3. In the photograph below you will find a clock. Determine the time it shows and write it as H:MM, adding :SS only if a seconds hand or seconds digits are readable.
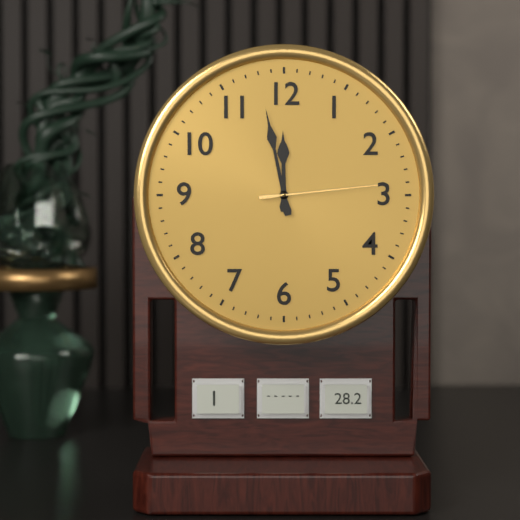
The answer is 11:58:14
